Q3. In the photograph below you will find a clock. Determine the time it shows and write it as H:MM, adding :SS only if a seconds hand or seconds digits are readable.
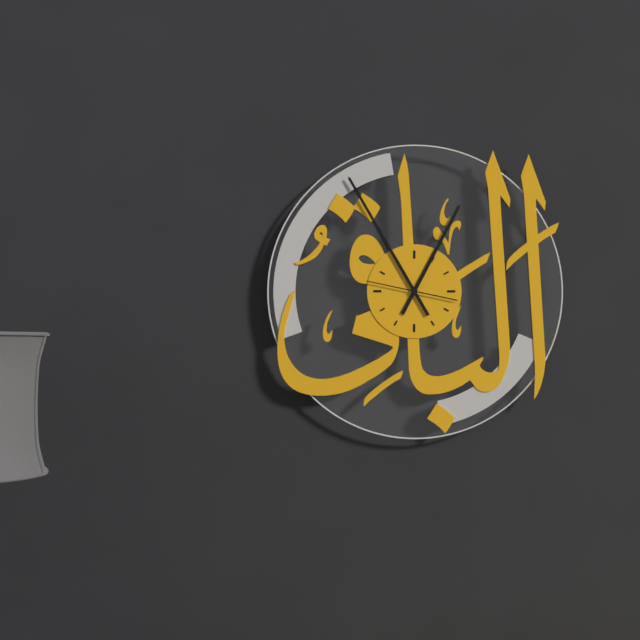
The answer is 12:55:47
